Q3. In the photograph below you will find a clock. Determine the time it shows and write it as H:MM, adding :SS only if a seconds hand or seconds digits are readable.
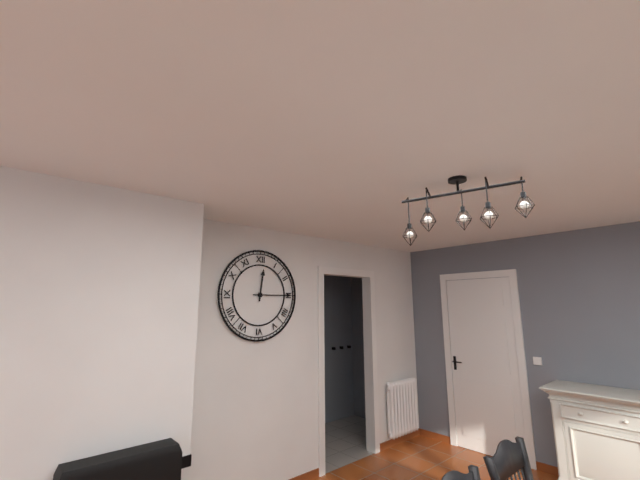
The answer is 12:15
